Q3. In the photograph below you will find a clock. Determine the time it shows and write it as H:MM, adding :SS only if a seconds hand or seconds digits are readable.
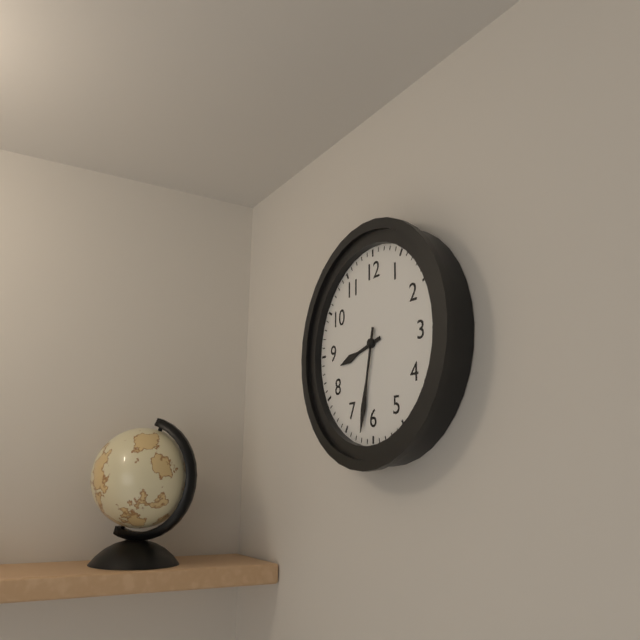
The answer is 8:32
